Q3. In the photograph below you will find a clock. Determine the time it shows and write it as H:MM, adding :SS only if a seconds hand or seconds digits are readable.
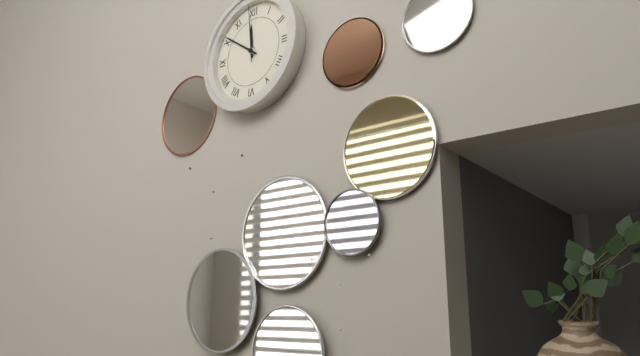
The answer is 11:51:59
